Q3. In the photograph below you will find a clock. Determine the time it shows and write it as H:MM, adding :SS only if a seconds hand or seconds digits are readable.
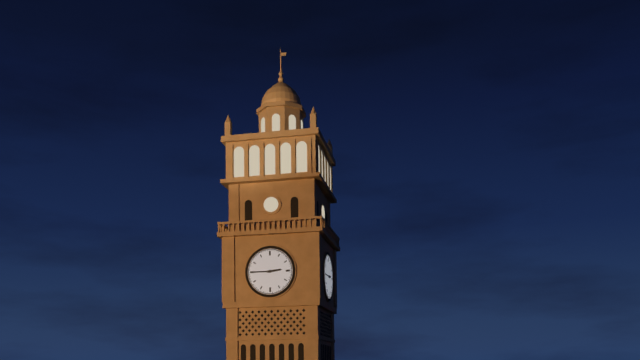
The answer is 2:45
